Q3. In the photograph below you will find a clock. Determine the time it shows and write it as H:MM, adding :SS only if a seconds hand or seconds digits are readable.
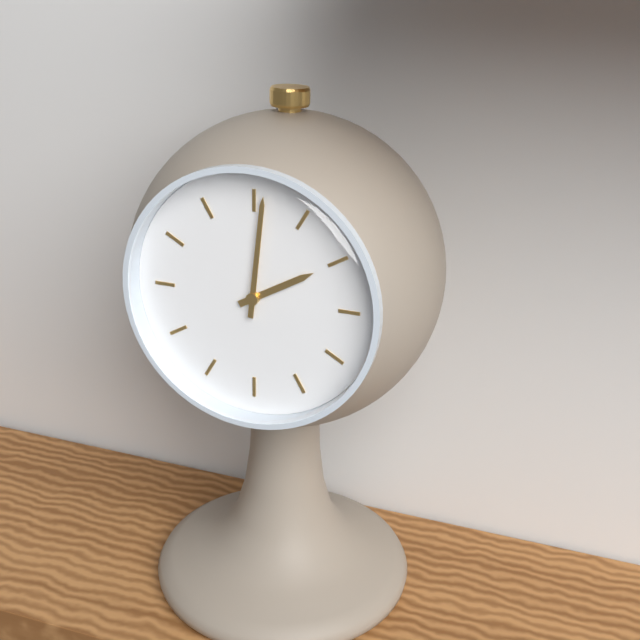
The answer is 2:01
